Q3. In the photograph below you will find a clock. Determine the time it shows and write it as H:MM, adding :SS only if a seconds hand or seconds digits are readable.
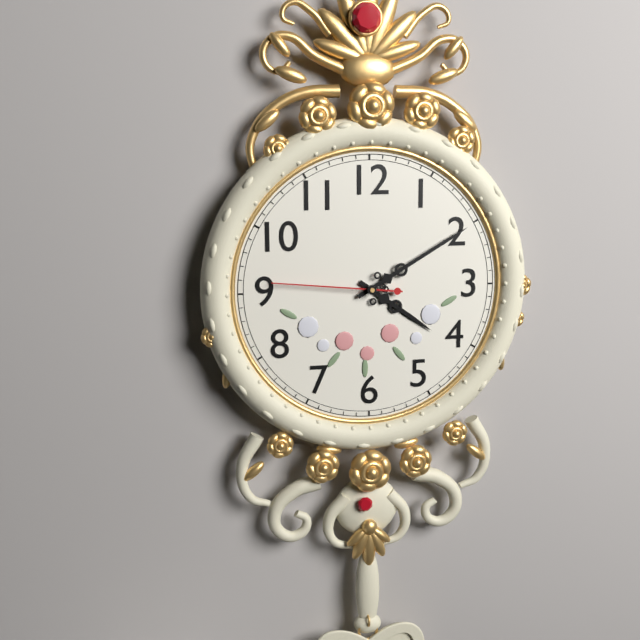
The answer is 4:10:46
